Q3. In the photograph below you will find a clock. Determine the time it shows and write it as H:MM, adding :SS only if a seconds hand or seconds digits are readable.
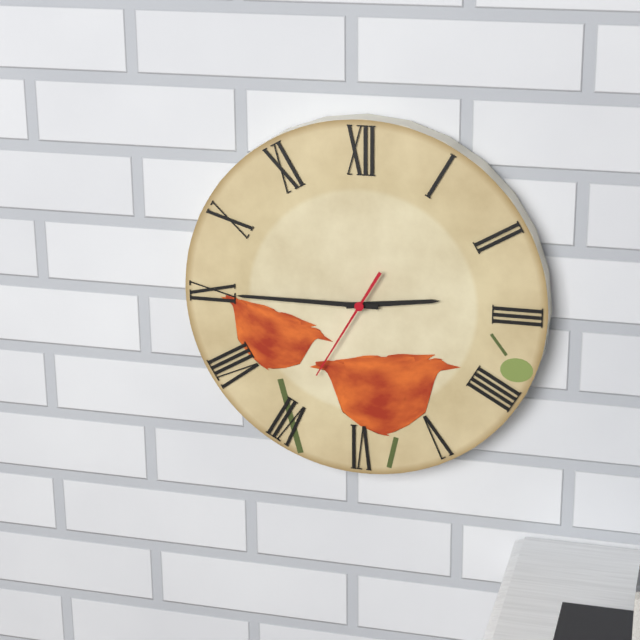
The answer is 2:45:35
